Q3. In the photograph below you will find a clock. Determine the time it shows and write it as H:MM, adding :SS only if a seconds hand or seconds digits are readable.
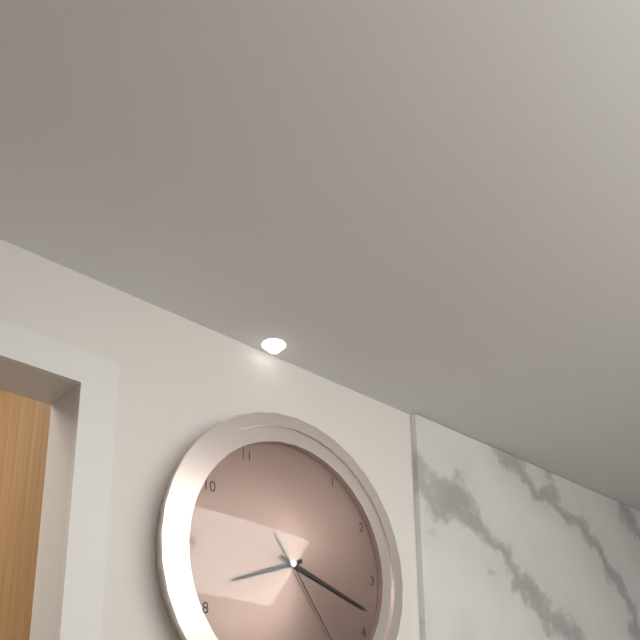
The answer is 8:18
